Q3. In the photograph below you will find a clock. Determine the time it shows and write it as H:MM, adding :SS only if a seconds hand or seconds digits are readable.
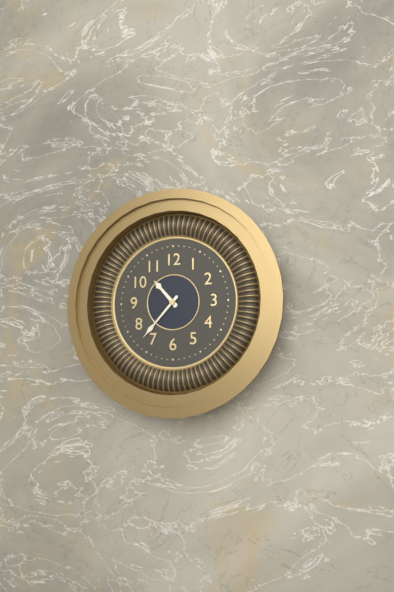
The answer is 10:37
